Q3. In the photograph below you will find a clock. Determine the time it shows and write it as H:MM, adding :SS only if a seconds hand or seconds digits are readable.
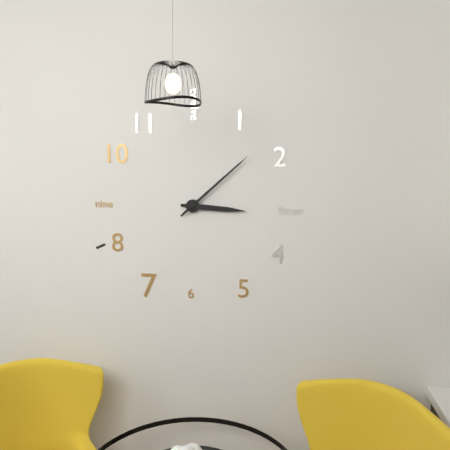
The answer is 3:08
